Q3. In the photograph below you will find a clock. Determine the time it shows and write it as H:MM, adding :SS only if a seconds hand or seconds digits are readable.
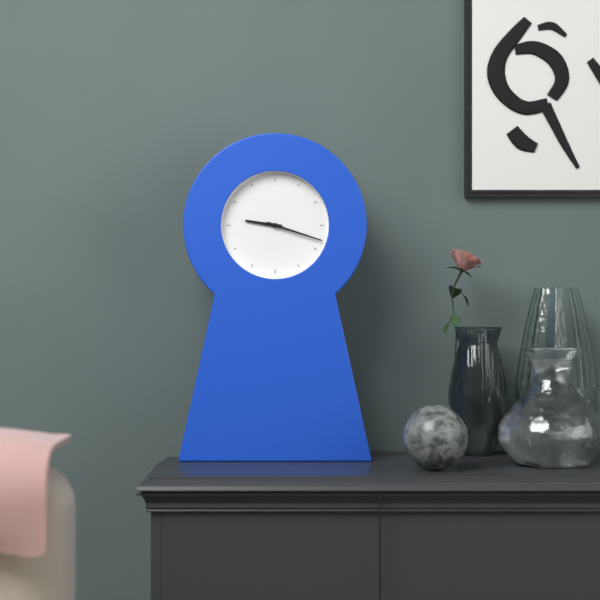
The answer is 9:18
